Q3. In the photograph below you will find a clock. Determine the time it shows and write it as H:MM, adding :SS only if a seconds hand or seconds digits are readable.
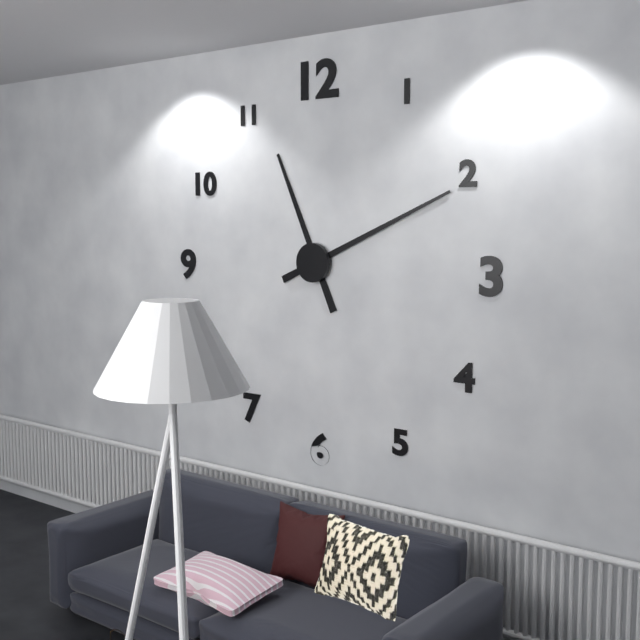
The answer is 11:11
